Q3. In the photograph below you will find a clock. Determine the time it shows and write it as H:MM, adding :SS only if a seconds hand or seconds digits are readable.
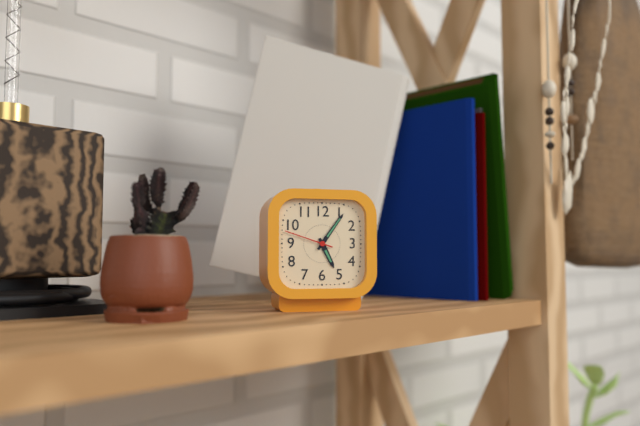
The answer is 5:06
